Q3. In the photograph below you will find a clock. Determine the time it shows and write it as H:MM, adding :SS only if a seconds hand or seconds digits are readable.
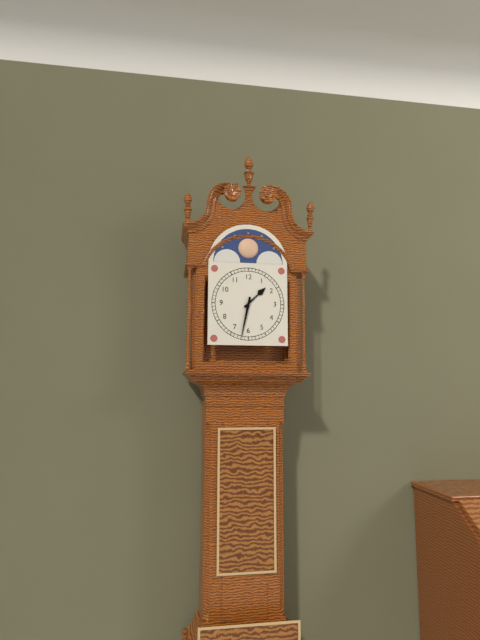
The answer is 1:32
